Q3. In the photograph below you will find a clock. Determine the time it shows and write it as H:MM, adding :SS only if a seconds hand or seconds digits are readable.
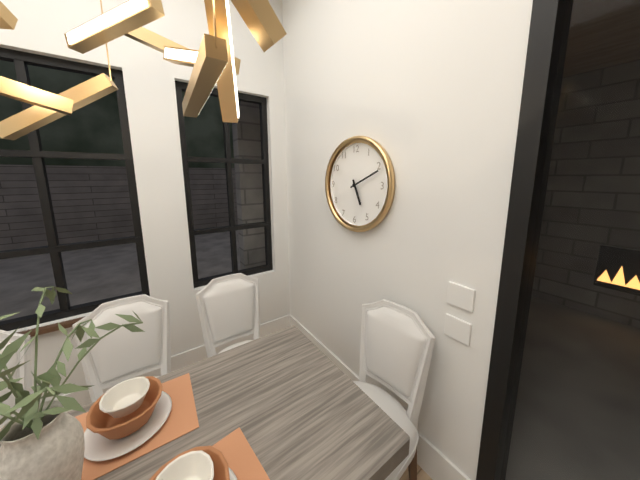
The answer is 5:11
